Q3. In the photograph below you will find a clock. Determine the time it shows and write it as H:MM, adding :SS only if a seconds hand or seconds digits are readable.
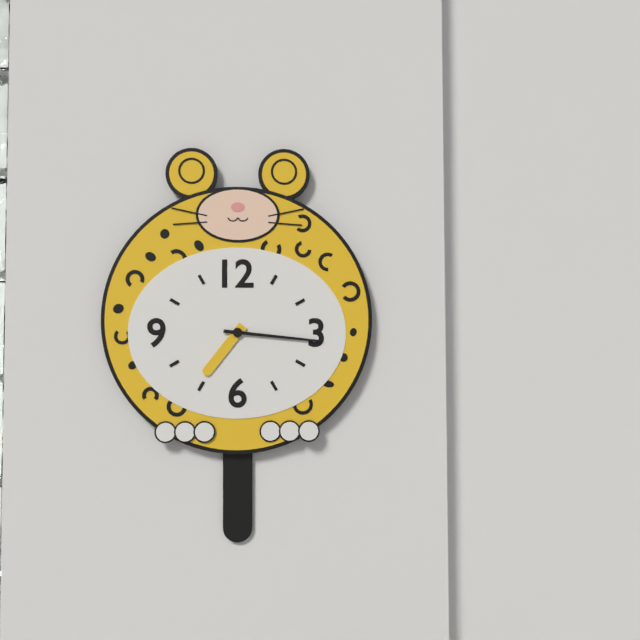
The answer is 7:16
